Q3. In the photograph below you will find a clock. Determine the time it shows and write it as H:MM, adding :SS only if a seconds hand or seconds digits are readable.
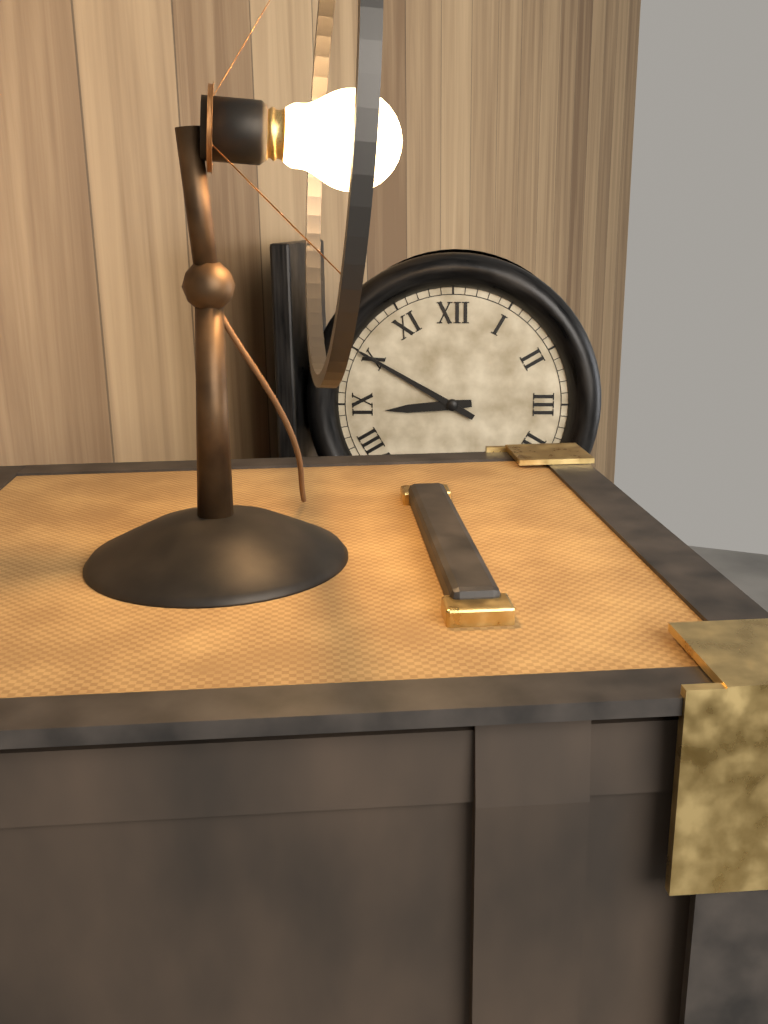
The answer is 8:50
